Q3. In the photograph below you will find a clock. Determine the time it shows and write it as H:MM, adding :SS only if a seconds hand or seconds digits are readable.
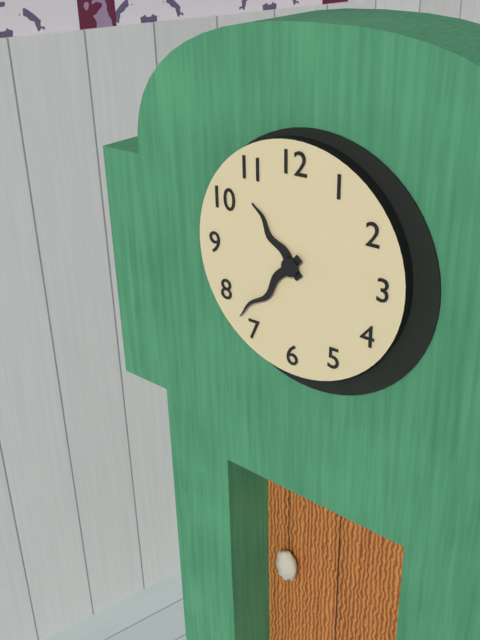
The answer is 10:37
